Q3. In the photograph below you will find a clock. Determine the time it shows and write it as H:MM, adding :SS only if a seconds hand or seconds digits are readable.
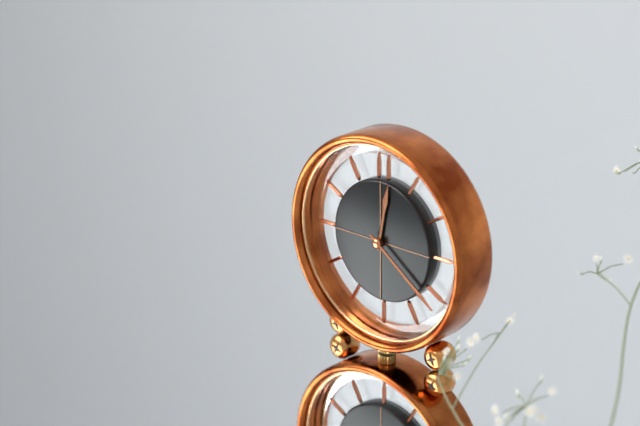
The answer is 12:21
